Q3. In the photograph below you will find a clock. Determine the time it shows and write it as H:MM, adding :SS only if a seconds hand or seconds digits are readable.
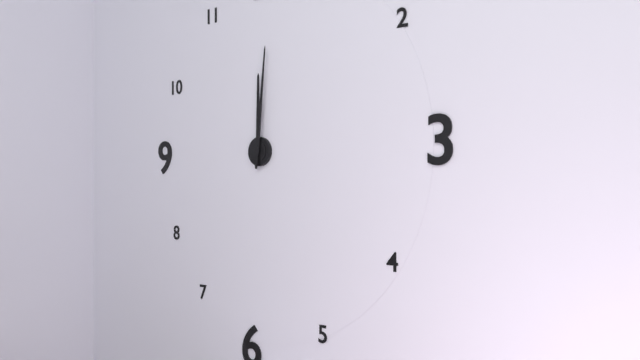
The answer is 12:01
